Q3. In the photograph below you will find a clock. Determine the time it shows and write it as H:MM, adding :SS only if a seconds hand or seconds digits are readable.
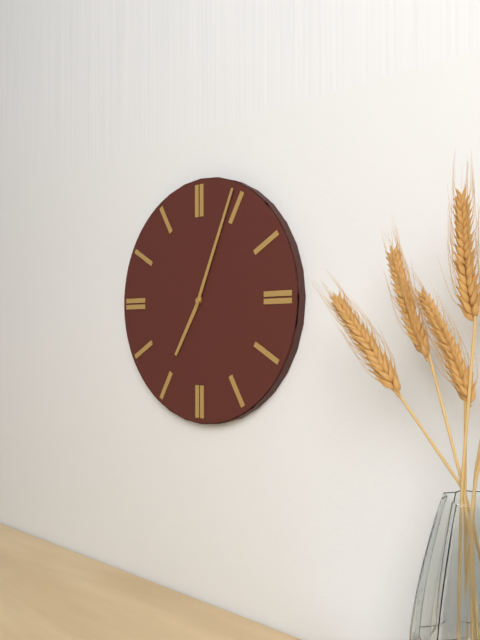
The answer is 7:04
